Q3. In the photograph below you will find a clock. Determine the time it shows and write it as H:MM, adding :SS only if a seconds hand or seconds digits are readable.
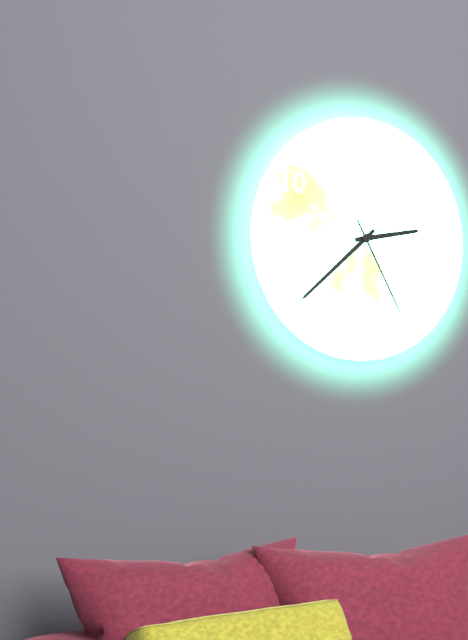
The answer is 2:38:25
